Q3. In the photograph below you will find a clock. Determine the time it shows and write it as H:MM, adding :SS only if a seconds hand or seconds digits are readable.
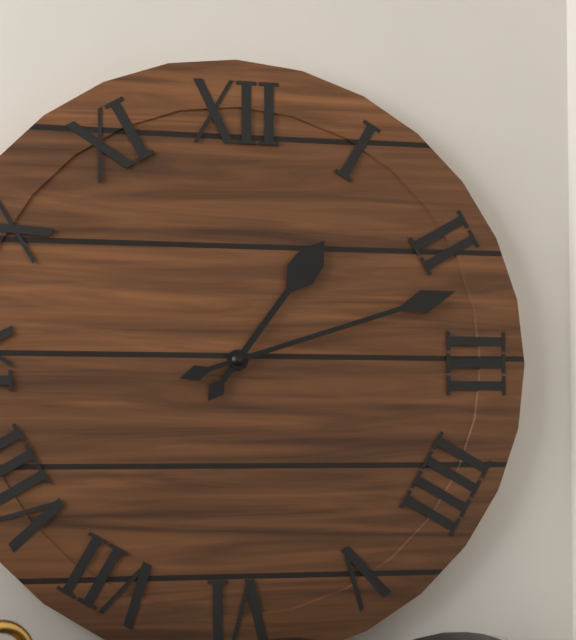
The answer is 1:12
